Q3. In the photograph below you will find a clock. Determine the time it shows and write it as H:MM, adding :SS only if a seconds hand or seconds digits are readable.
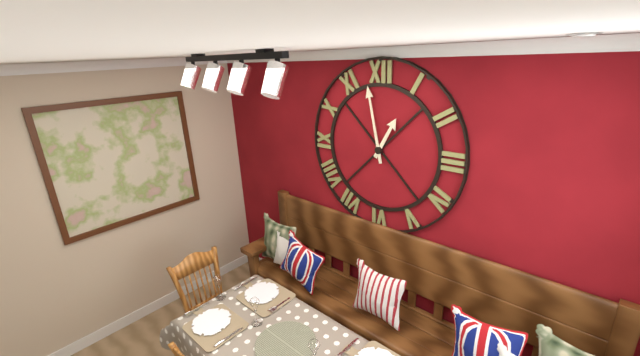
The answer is 12:58
